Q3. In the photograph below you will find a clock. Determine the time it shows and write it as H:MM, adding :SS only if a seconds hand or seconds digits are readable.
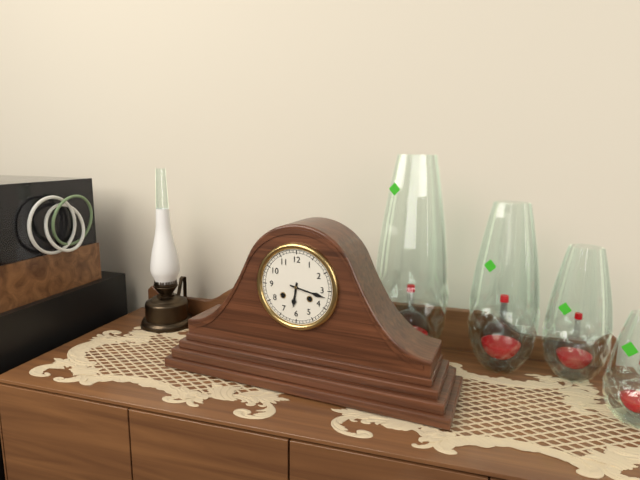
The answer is 6:17
